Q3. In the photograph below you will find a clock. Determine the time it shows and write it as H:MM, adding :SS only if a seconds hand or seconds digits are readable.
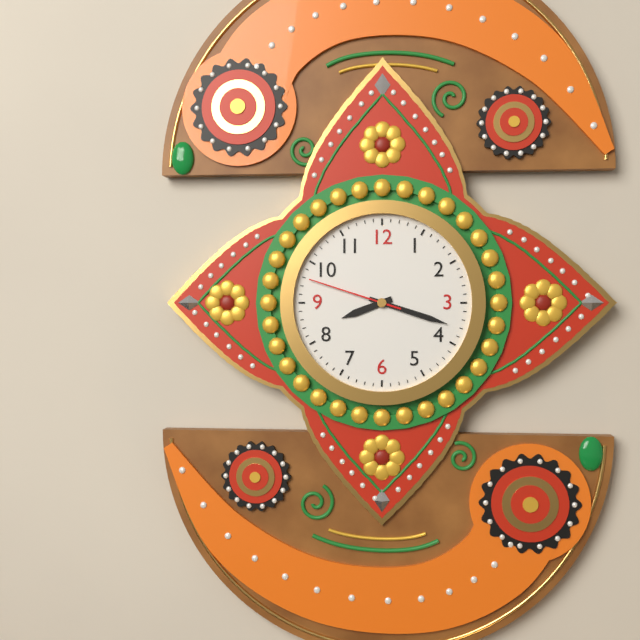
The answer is 8:18:48
